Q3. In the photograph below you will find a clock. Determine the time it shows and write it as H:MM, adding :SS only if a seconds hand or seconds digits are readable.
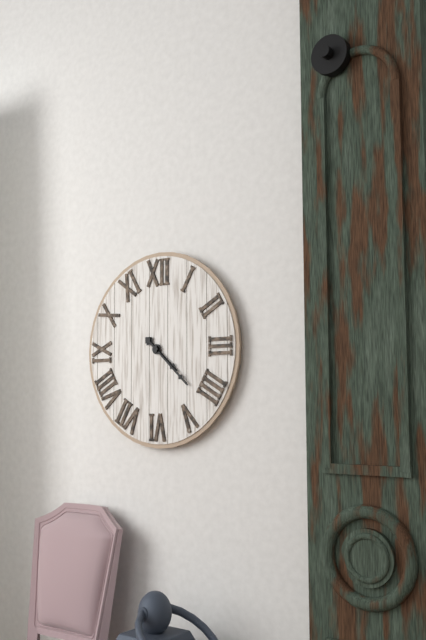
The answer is 4:22
